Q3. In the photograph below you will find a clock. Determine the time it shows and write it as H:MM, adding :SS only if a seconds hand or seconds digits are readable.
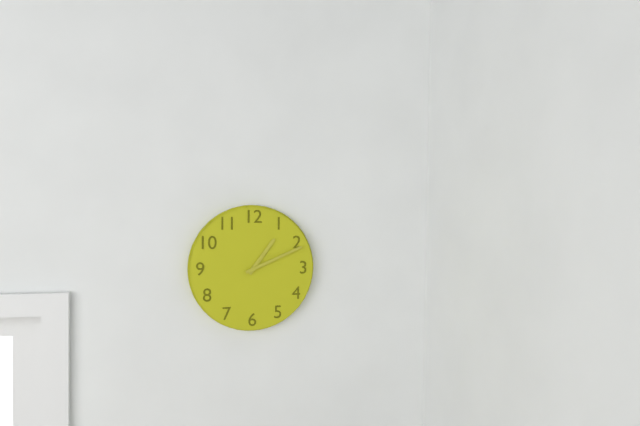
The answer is 1:11
